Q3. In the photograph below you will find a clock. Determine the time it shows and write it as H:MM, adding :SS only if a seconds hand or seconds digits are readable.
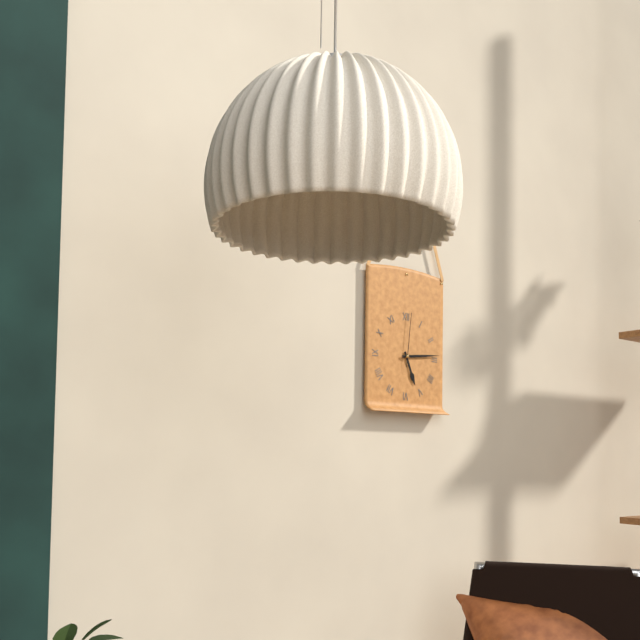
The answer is 5:14:01
